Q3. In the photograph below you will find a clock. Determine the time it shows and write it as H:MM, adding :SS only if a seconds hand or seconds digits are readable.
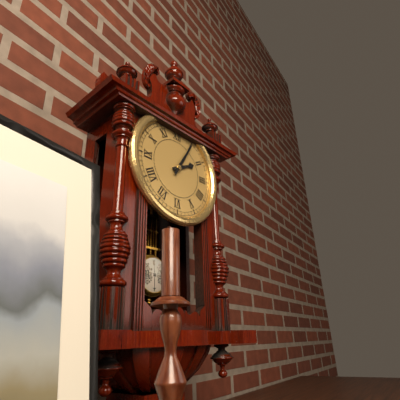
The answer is 2:05
